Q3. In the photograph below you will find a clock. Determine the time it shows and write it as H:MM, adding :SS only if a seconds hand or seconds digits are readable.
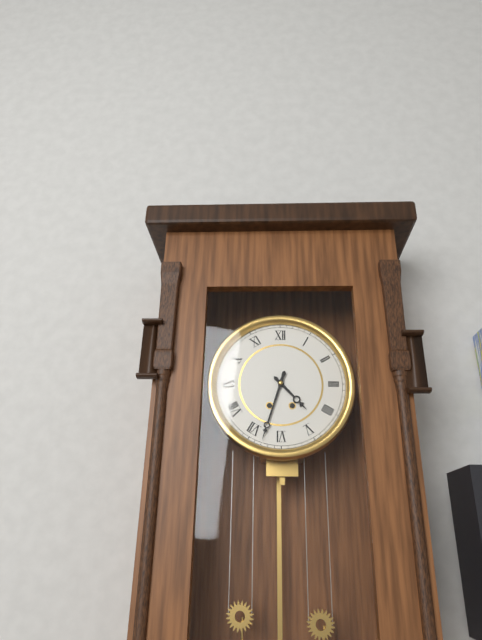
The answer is 4:33
